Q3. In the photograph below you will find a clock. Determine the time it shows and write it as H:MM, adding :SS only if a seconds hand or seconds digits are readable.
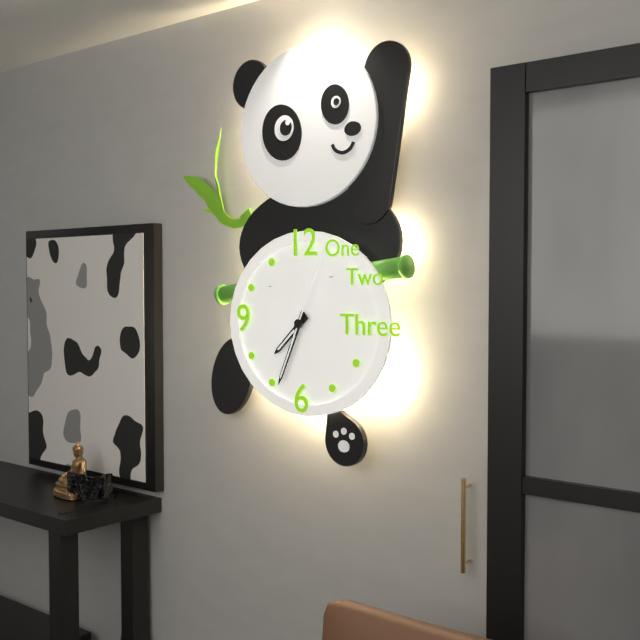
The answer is 7:34:04
